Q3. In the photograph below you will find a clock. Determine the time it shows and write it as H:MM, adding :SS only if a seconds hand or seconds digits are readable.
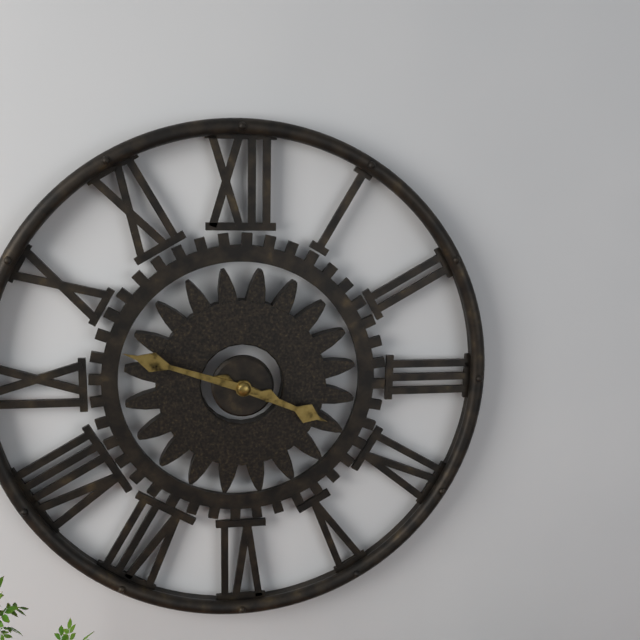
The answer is 3:48
